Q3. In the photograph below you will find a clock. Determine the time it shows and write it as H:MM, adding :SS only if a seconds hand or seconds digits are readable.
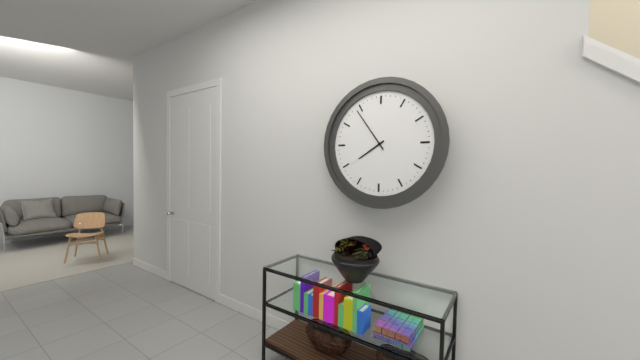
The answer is 7:54
